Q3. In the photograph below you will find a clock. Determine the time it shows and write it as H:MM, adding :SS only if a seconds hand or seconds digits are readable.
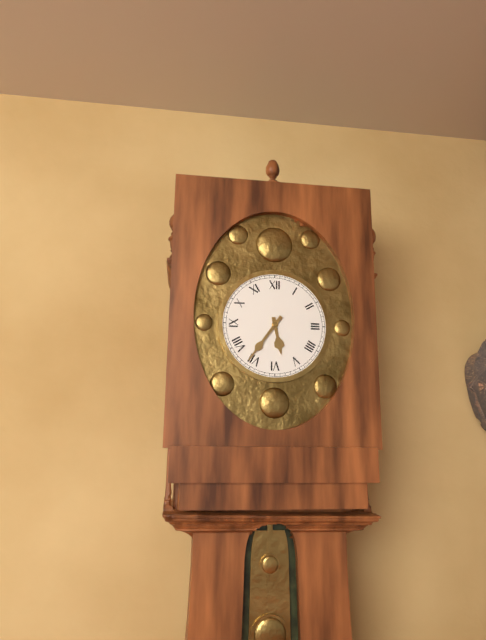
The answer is 5:36
